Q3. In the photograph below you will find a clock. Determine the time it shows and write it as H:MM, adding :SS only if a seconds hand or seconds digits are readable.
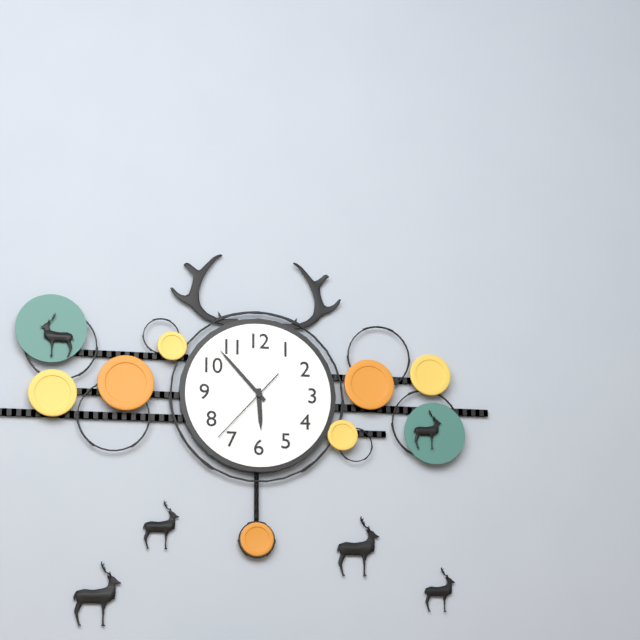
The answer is 5:53:37
